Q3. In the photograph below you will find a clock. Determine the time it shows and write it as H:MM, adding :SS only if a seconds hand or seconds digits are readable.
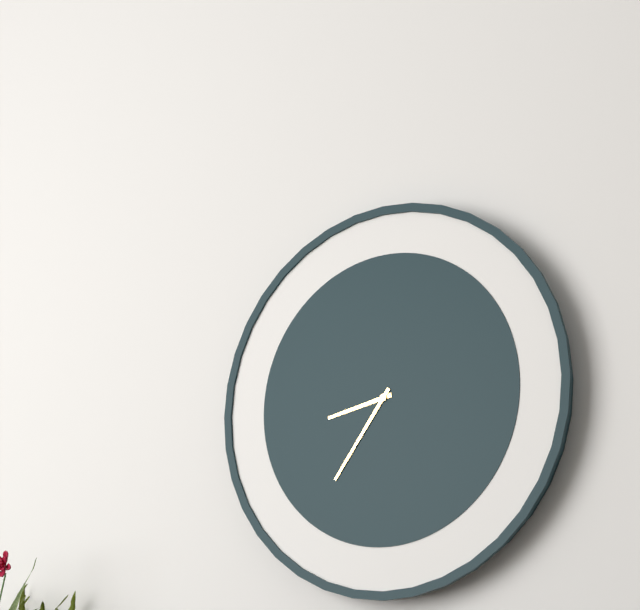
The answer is 8:36
